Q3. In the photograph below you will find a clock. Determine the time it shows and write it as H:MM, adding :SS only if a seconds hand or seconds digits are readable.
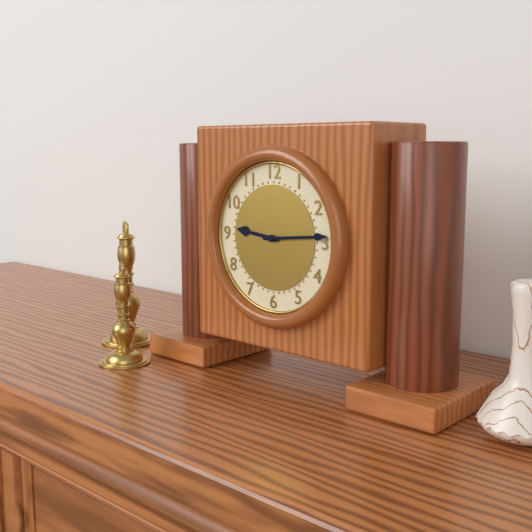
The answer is 9:14
